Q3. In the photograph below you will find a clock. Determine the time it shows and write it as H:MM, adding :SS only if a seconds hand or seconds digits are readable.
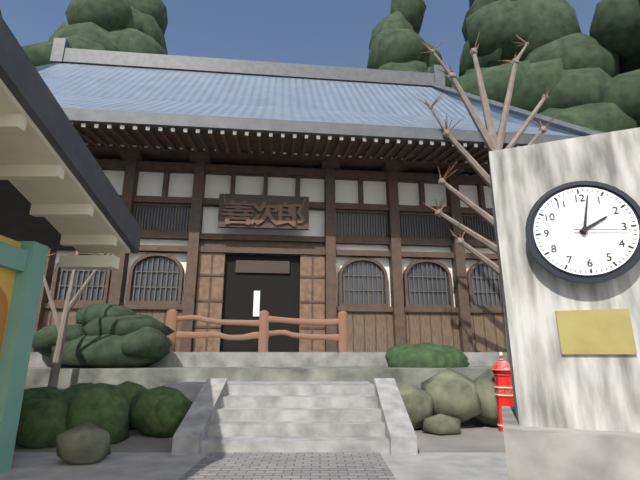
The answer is 2:02:16
